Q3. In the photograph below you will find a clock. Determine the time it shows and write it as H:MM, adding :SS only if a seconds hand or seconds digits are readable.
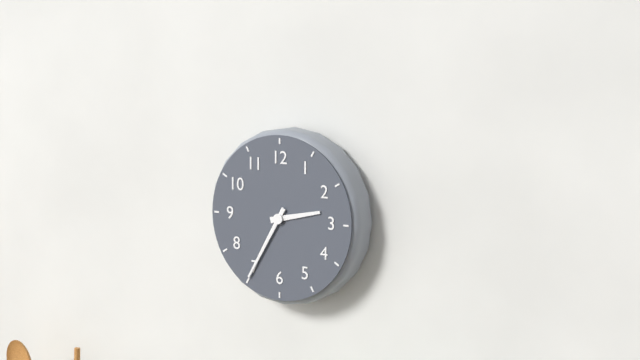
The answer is 2:35
